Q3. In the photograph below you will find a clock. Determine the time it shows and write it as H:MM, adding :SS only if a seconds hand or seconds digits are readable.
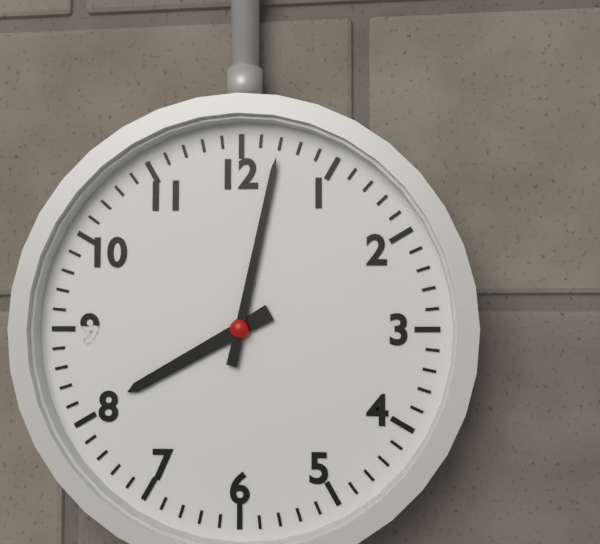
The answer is 8:02
